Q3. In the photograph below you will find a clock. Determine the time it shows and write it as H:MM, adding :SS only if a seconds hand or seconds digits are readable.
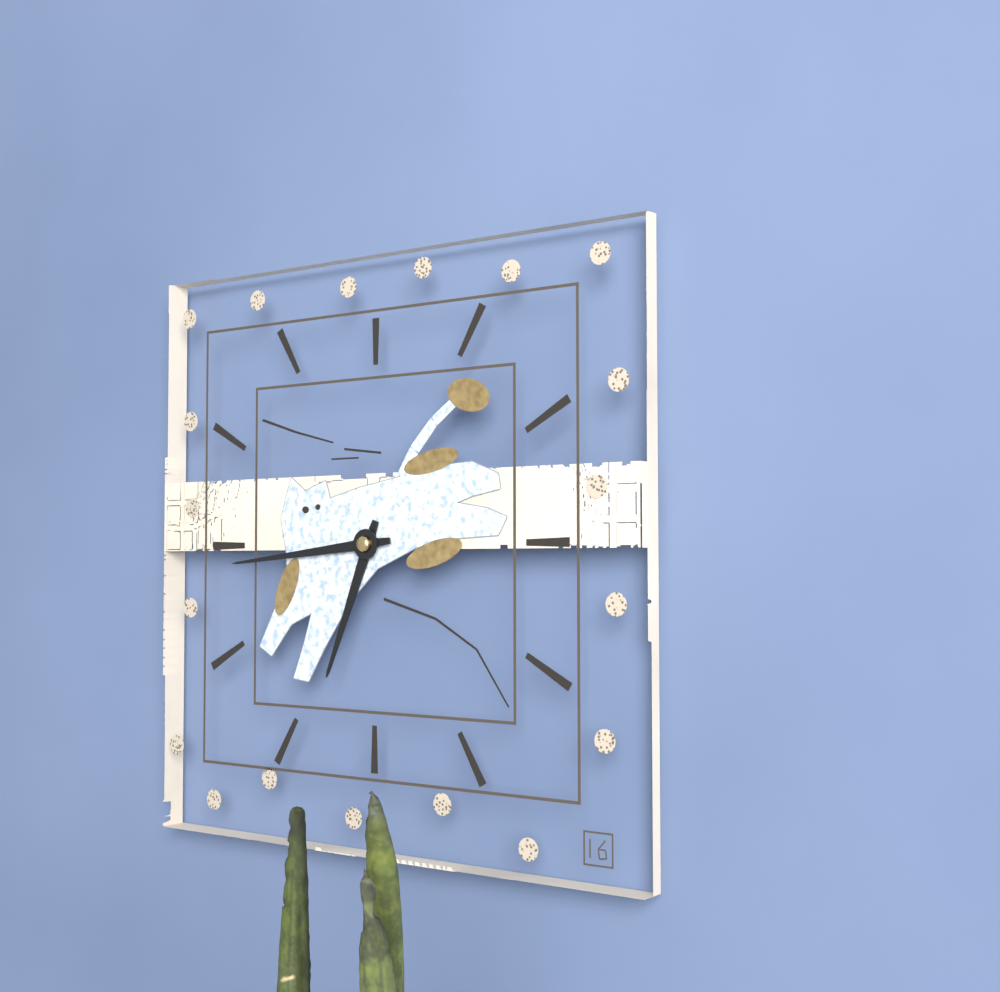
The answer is 6:44
